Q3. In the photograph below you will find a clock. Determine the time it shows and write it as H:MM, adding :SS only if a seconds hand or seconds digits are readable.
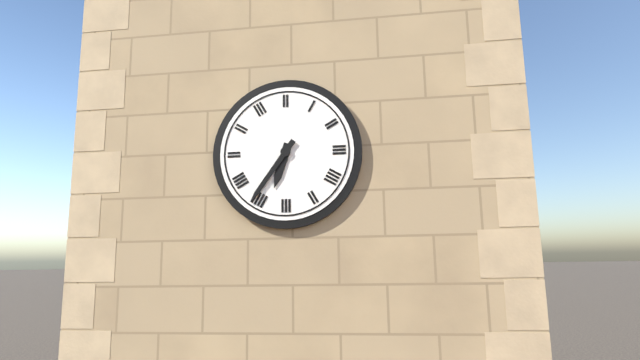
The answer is 6:36
